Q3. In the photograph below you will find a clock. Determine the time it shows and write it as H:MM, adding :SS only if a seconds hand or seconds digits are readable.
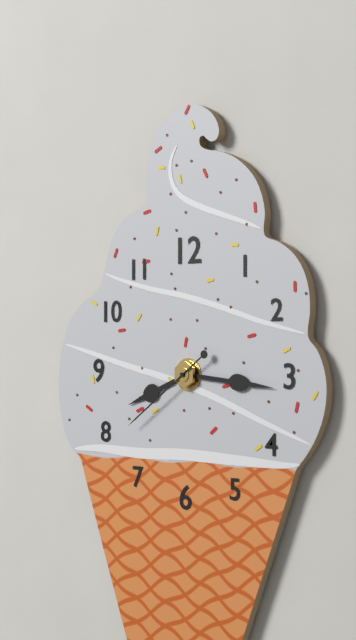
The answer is 8:16:39
